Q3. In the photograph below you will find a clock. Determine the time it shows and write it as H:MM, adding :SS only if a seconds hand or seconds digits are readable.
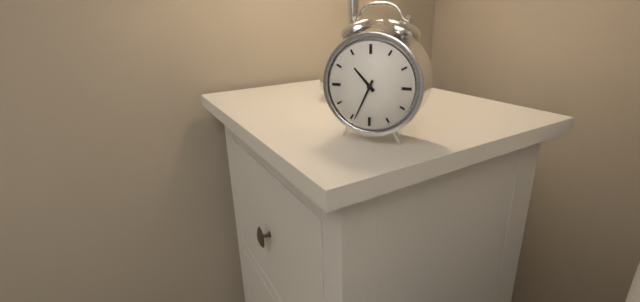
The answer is 10:34
